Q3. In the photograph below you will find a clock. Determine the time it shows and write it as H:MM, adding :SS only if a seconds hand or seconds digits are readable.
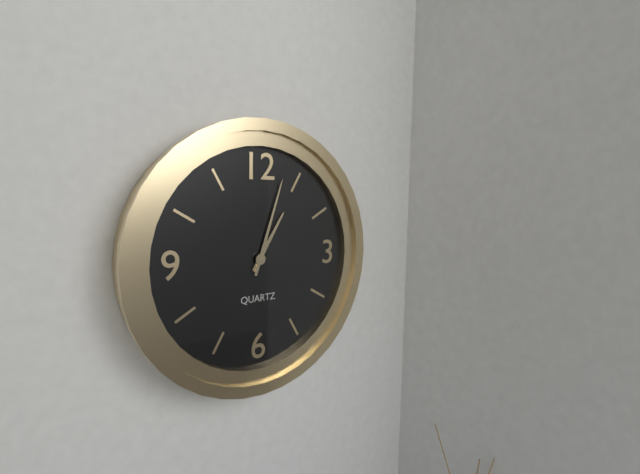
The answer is 1:03
